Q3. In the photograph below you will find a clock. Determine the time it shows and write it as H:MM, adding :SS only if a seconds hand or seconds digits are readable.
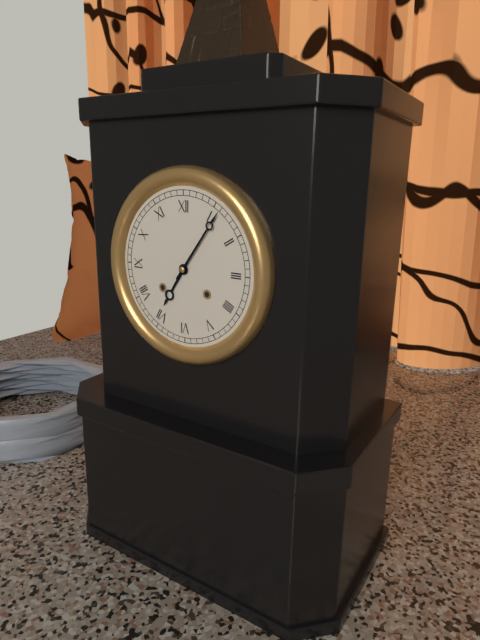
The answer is 7:06
